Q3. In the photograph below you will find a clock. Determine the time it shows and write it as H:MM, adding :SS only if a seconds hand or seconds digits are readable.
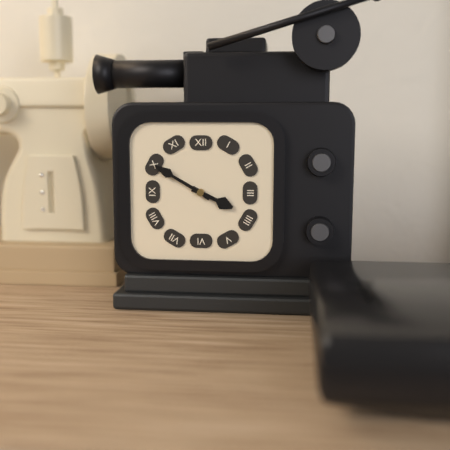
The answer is 3:50
